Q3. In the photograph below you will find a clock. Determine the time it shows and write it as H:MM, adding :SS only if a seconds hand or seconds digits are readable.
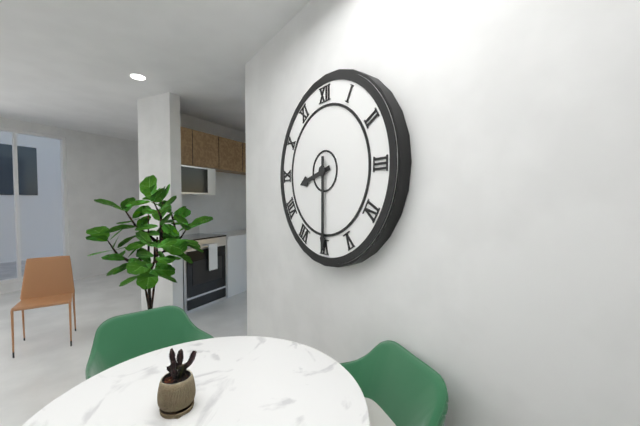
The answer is 8:30
